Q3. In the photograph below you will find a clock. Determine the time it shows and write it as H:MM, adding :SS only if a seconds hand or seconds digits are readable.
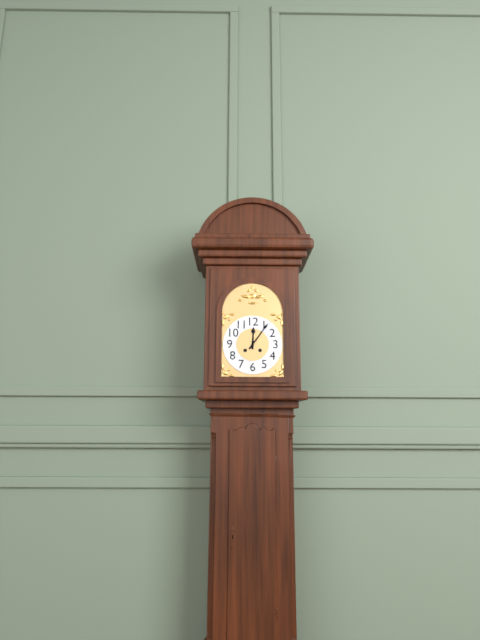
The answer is 12:06
